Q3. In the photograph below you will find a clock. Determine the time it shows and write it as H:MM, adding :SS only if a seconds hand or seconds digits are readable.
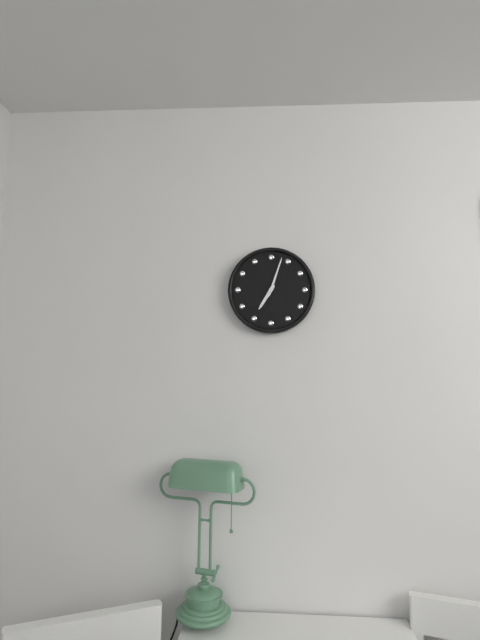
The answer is 7:03
